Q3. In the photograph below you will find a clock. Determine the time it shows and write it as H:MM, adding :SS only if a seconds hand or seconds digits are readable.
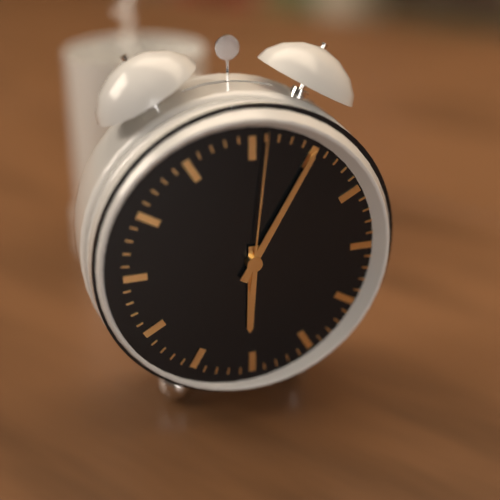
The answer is 6:05:01
